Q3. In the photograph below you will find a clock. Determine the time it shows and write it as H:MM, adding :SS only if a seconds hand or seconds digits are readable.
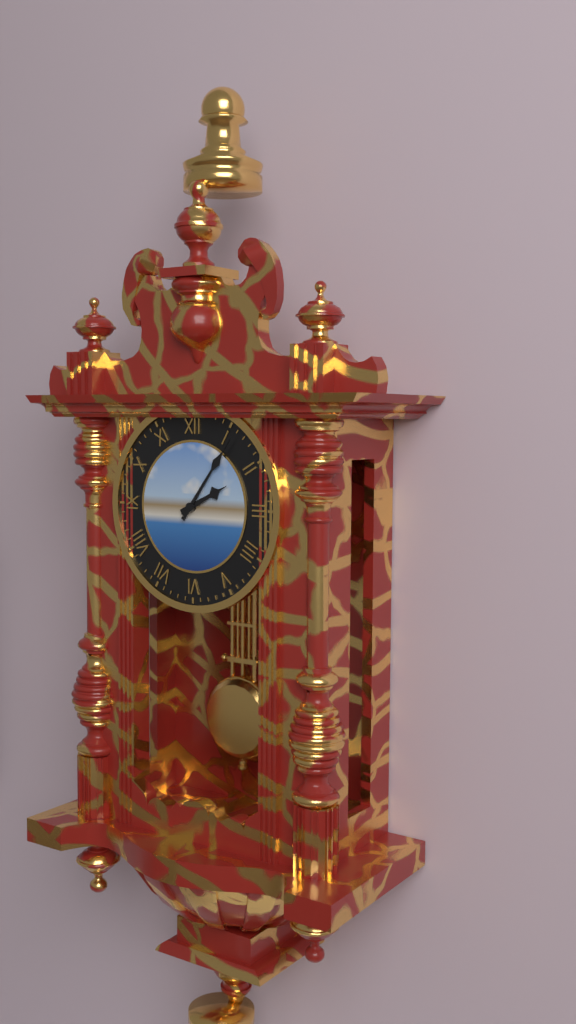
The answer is 2:06
